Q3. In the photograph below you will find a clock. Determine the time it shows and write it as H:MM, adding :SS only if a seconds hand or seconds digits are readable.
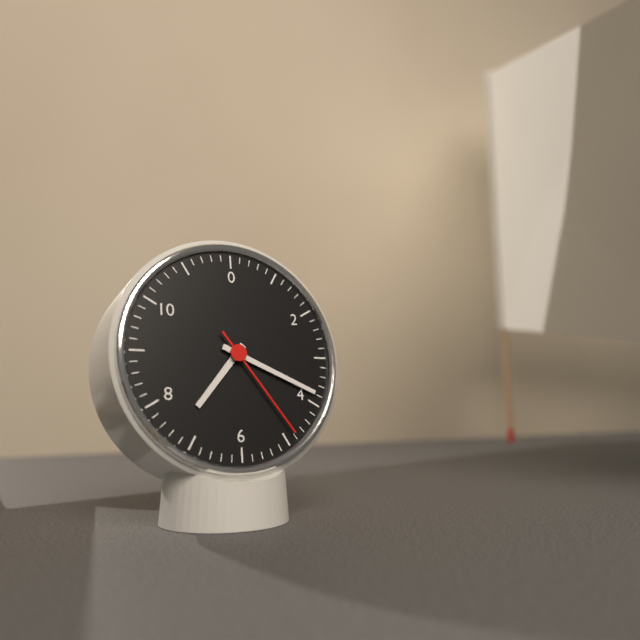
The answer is 7:19:24
